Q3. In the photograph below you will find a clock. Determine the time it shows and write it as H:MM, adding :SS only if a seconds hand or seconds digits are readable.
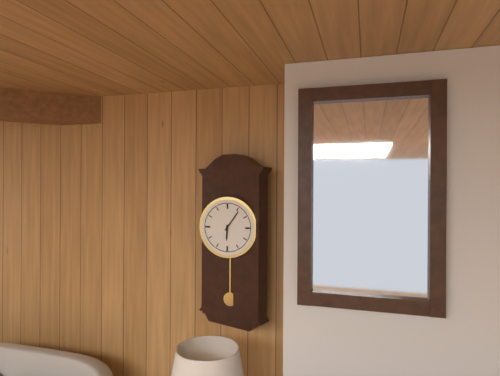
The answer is 6:06
